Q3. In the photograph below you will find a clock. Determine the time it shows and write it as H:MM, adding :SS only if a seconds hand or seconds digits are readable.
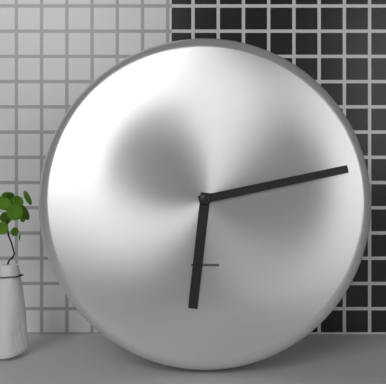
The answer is 6:13
